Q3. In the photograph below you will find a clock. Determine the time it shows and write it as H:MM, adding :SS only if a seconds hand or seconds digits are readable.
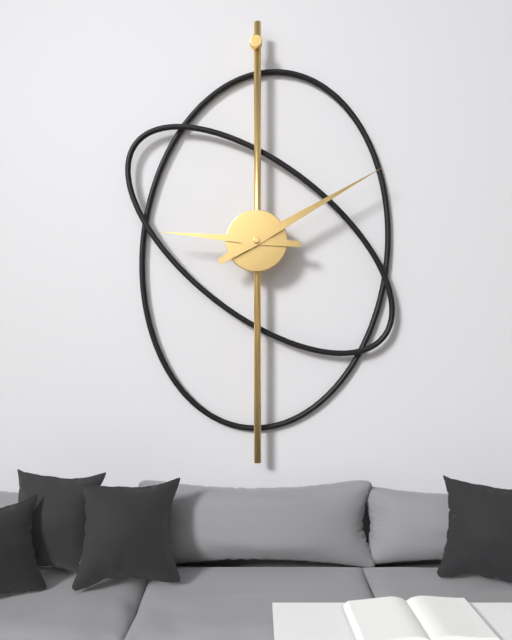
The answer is 9:10
